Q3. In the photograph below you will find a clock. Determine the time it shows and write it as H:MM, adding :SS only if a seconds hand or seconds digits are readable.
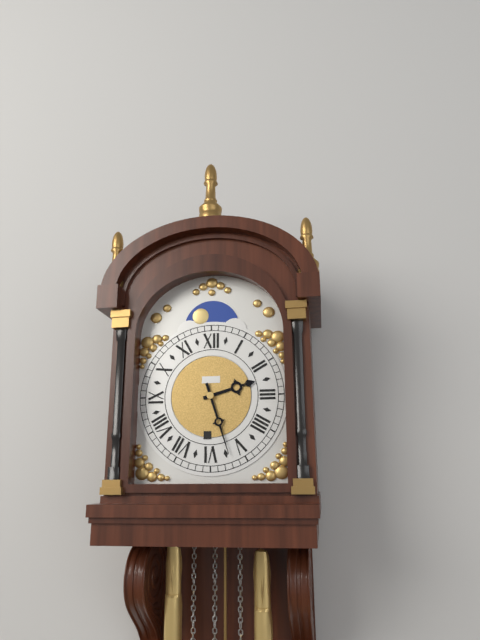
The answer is 2:27
